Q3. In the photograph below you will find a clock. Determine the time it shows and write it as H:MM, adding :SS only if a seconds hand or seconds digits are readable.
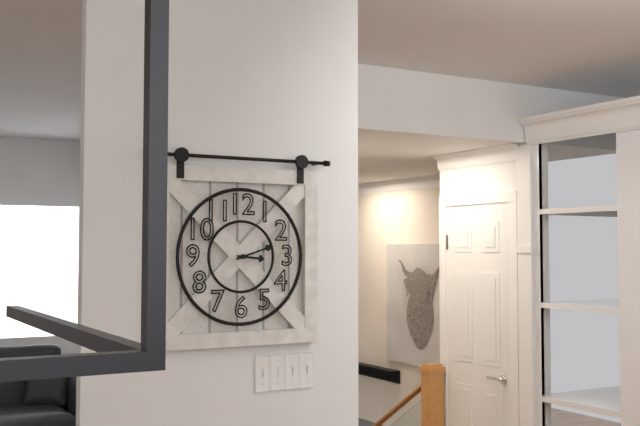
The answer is 3:12
